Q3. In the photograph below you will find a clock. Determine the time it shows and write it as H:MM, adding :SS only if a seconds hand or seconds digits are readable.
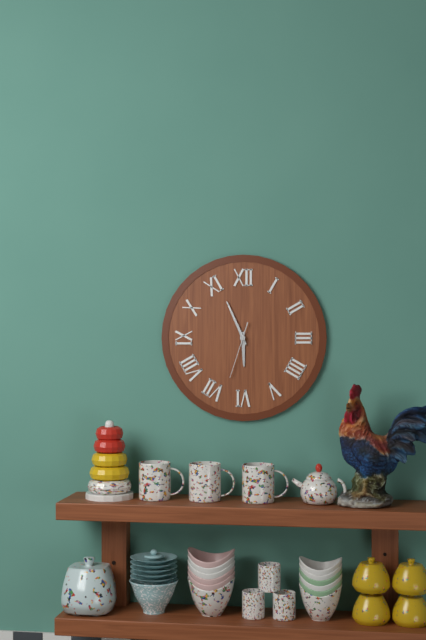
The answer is 5:56:33
